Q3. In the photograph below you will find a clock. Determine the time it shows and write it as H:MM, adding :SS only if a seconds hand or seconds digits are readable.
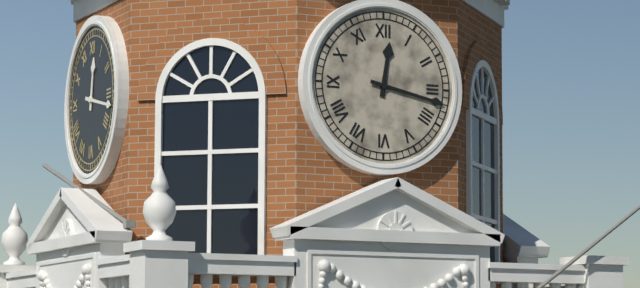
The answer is 12:17
